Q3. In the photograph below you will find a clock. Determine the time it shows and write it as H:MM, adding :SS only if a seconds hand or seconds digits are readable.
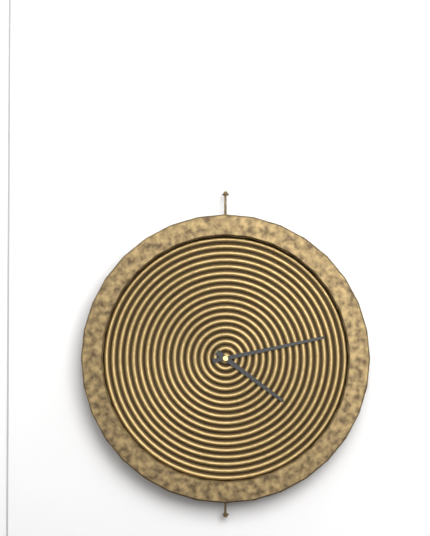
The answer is 4:13
